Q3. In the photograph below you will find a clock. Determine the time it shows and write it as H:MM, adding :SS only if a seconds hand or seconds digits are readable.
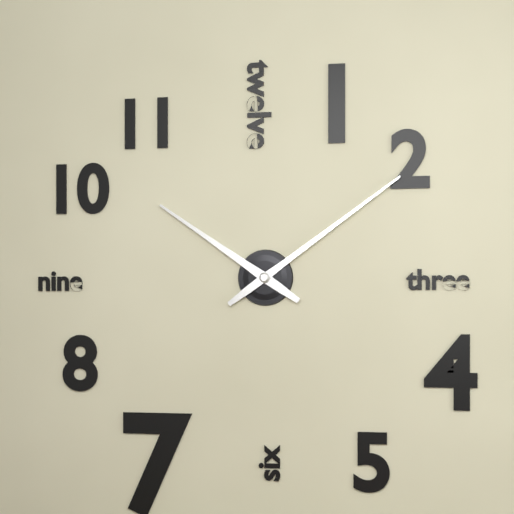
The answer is 10:09
